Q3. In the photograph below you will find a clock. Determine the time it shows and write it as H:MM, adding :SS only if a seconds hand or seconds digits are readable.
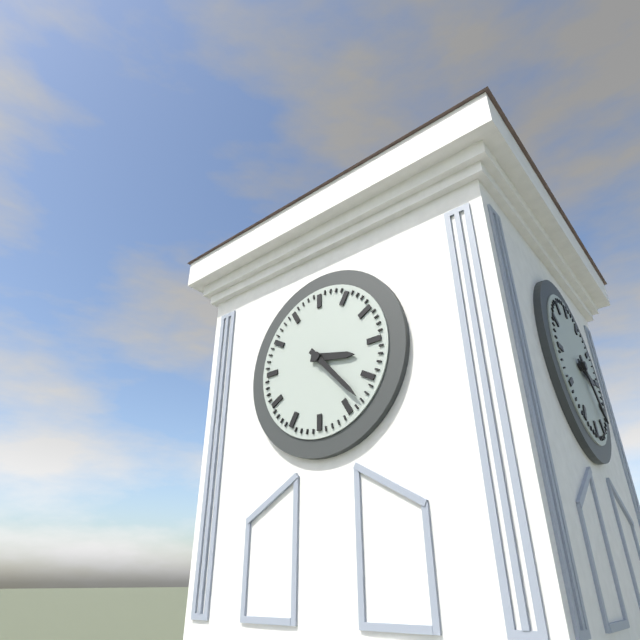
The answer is 3:23
